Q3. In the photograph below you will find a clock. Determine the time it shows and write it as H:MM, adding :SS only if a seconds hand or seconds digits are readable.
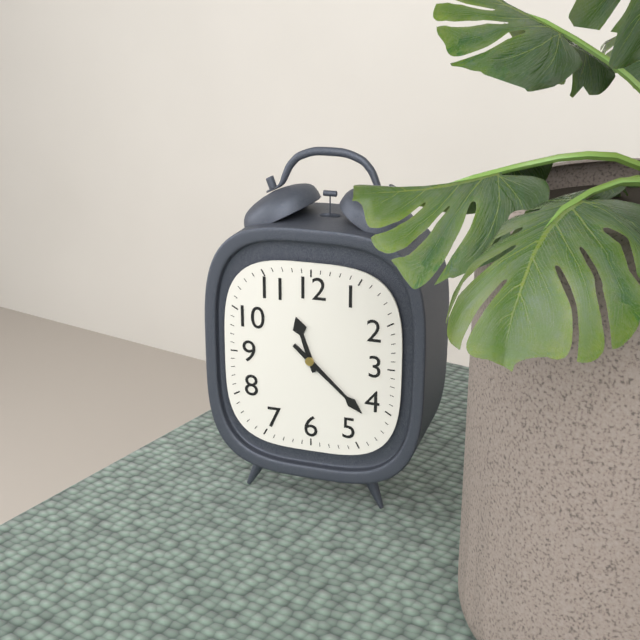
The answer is 11:22
